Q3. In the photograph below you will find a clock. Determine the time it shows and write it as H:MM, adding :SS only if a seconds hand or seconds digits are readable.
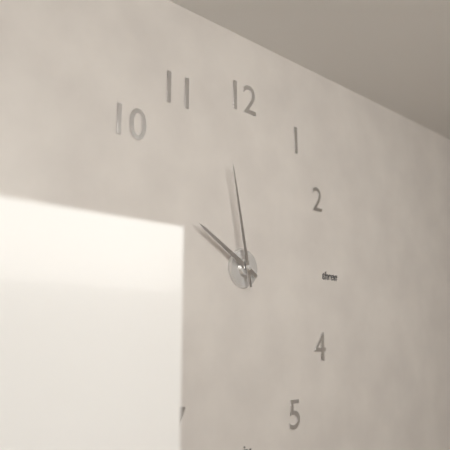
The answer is 9:58
